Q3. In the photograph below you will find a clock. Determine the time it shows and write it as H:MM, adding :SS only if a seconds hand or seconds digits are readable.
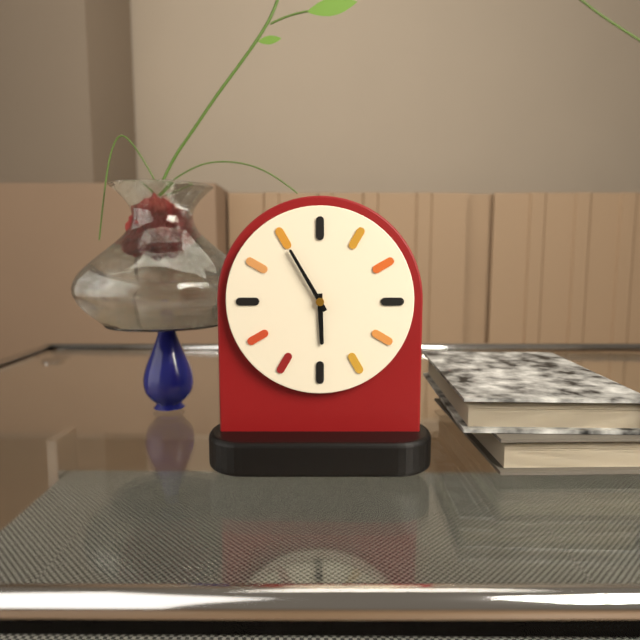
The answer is 5:55
